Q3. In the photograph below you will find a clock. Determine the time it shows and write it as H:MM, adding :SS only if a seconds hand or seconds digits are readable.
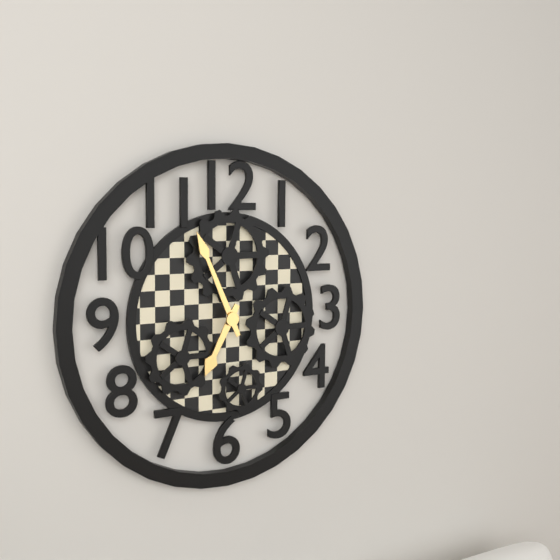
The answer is 6:56
